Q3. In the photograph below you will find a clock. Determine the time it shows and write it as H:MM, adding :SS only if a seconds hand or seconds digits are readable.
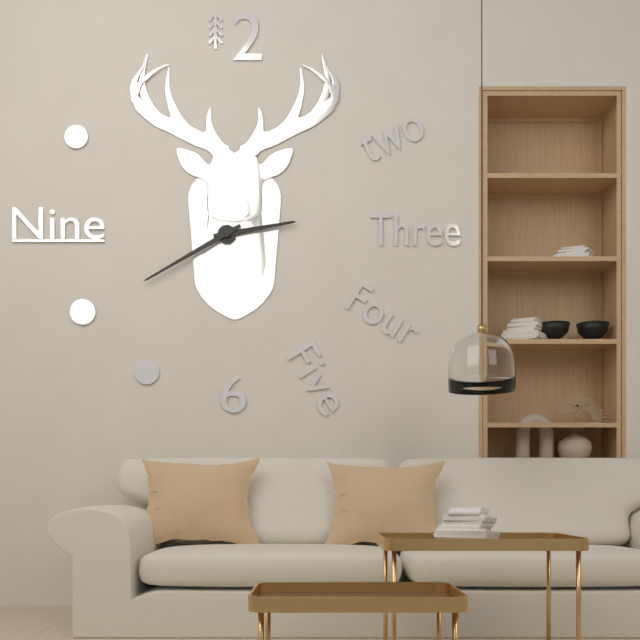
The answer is 2:40
